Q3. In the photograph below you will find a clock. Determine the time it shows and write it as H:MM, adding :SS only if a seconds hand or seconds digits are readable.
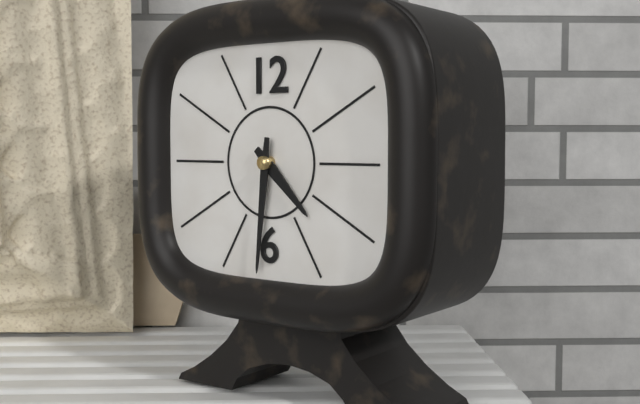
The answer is 4:31
